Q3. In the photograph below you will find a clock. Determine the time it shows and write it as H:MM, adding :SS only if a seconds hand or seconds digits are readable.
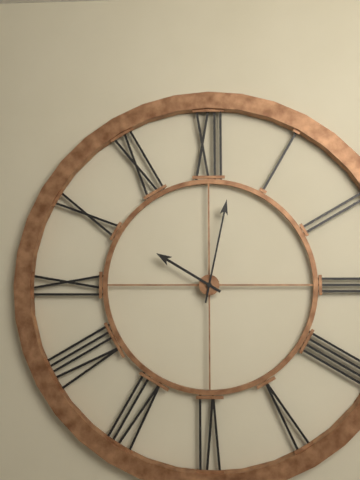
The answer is 10:02
